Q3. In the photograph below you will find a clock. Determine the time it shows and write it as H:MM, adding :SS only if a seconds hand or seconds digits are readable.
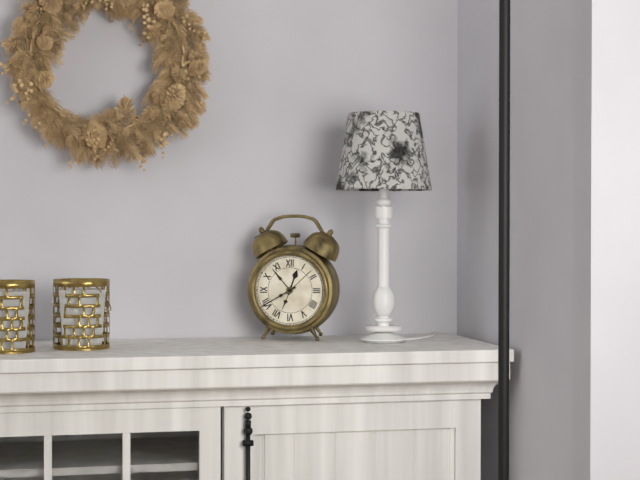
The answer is 12:40
